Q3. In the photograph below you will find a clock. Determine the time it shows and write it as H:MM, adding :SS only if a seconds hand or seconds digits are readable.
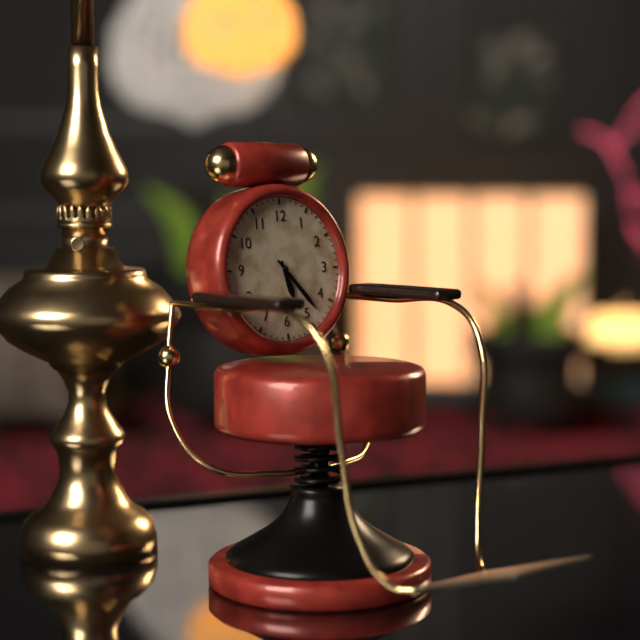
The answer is 5:23
